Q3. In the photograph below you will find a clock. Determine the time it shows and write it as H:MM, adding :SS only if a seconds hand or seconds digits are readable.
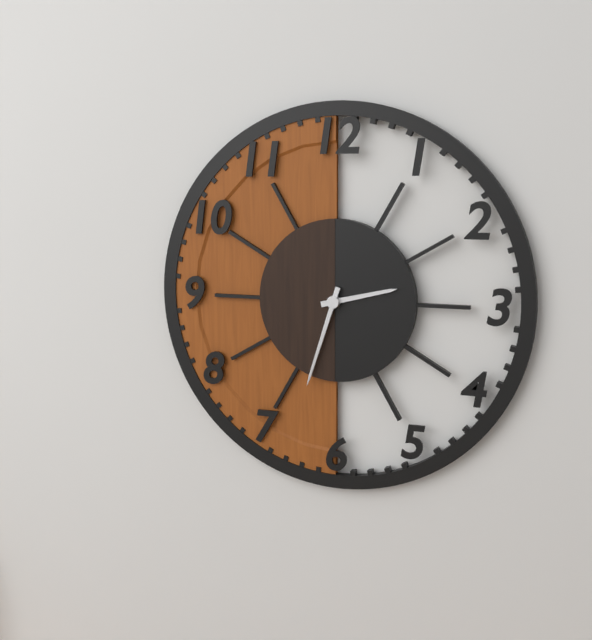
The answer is 2:33
